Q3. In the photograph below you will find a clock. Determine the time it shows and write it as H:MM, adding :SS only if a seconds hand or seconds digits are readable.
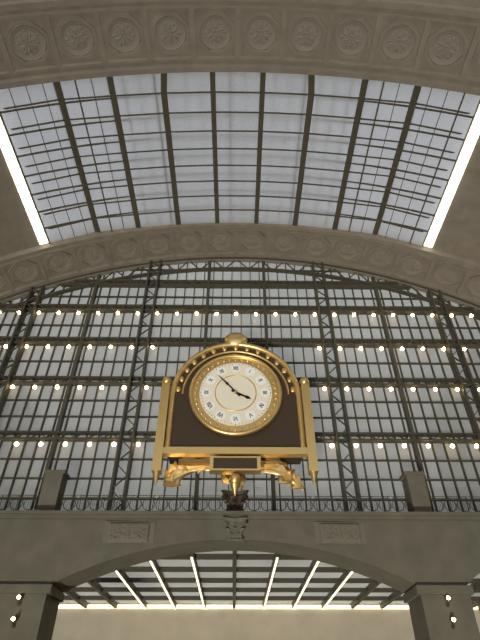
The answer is 3:53
